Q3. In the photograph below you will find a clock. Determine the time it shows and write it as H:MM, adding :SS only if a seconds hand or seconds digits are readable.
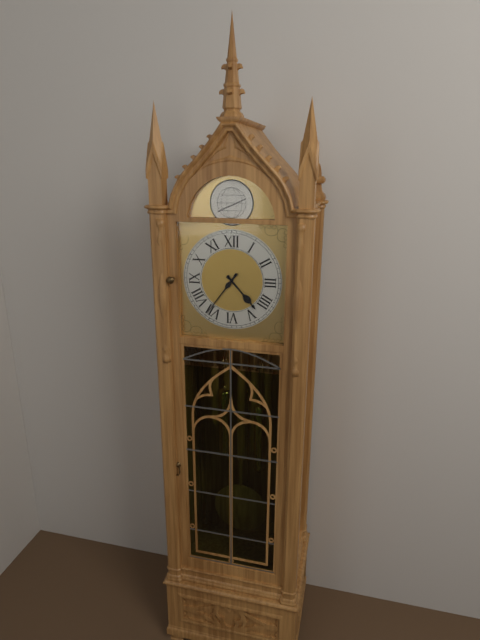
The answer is 4:36
